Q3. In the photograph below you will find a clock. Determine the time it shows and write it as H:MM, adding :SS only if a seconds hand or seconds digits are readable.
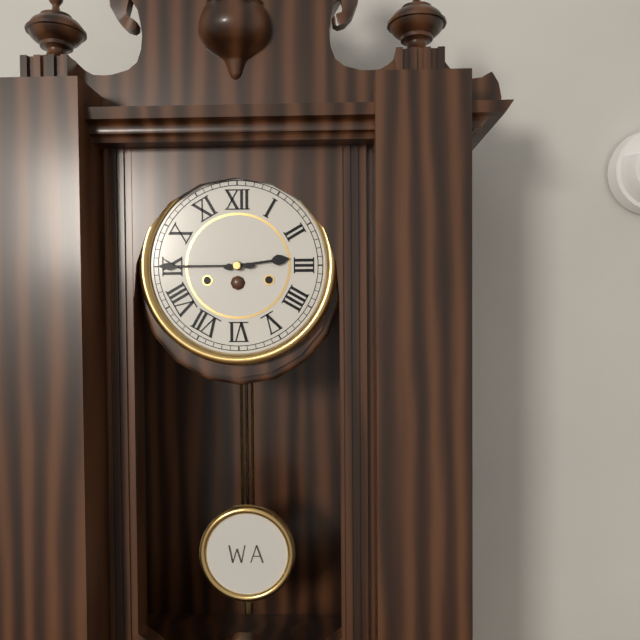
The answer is 2:45
